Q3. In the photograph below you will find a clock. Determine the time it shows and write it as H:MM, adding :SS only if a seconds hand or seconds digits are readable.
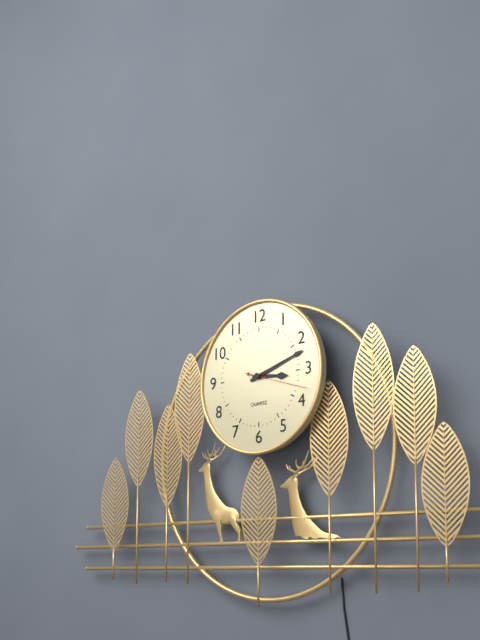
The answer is 3:12:18
